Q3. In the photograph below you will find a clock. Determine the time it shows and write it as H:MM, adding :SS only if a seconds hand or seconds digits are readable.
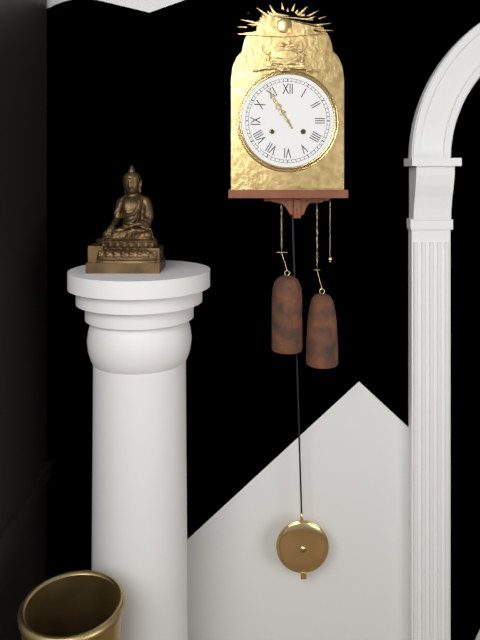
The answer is 10:55
